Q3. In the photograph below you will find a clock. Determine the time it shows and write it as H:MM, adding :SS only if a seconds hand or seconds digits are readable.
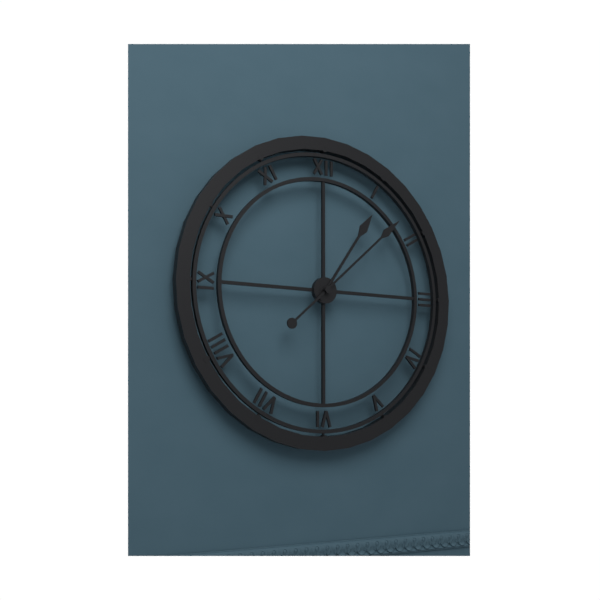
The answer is 1:08
